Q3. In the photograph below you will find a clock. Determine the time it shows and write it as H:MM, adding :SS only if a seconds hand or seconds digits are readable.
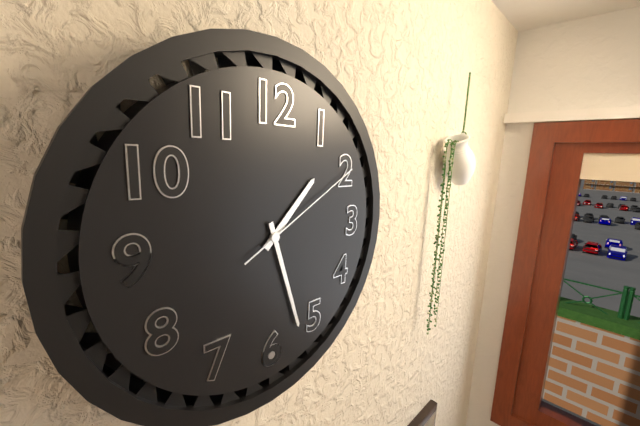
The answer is 1:27:10
